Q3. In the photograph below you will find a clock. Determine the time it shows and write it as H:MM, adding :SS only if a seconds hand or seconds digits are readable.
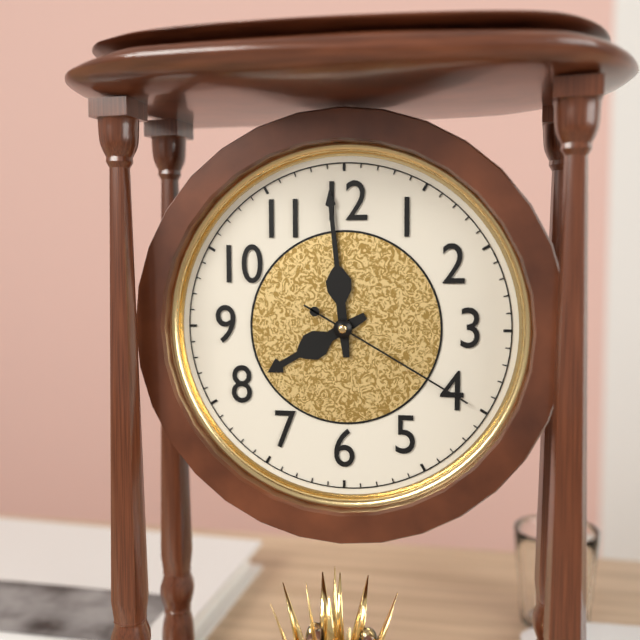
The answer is 7:59:20
